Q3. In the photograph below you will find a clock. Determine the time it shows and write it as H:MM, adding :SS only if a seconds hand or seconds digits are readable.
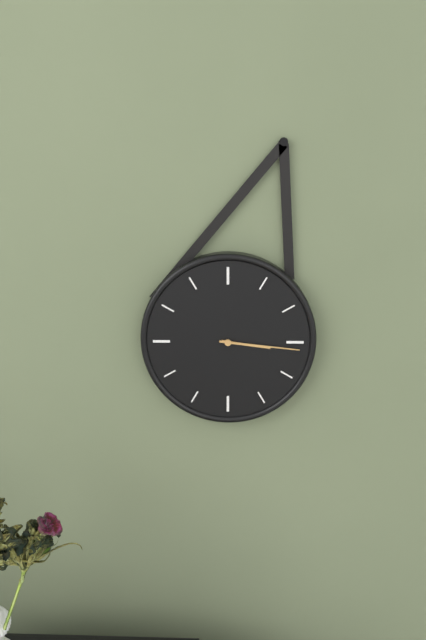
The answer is 3:16
